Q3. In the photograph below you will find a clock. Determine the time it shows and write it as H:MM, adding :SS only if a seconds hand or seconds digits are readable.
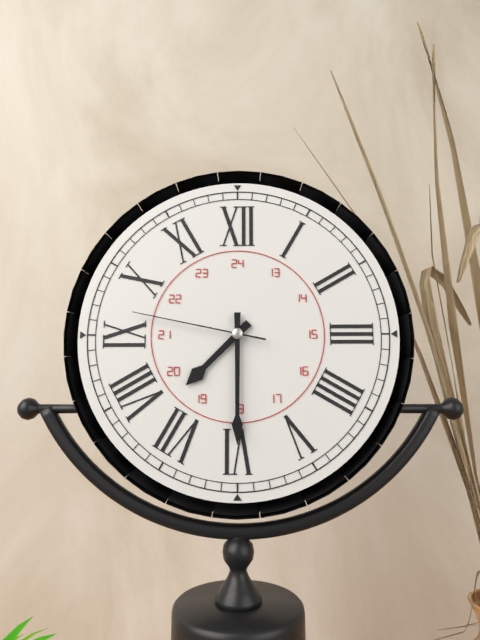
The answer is 7:30:47
